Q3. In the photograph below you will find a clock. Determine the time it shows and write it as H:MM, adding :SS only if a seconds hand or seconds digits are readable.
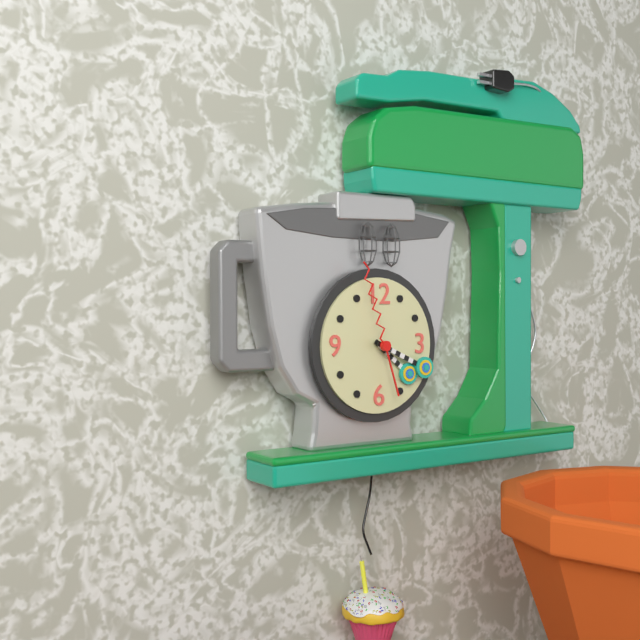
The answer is 4:19:57
